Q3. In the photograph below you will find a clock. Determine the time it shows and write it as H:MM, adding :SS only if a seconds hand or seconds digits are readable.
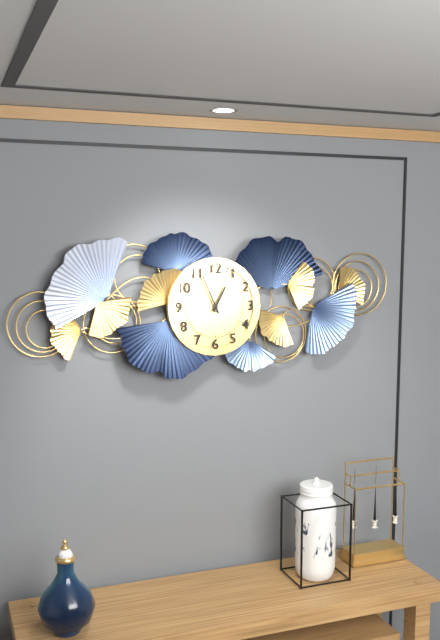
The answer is 12:56
